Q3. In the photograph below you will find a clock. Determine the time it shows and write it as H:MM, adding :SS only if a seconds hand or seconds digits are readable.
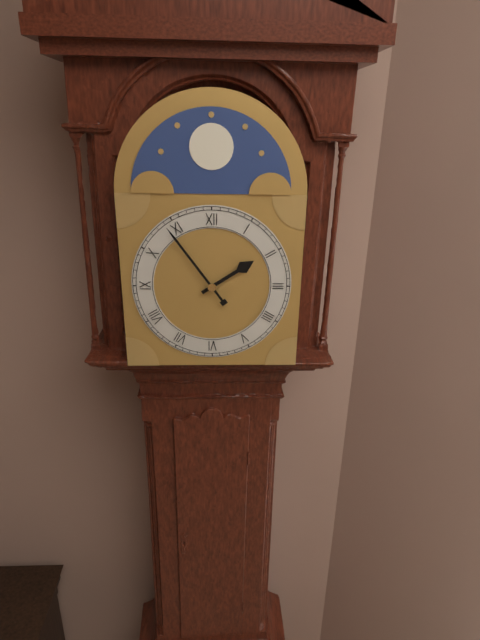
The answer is 1:54
